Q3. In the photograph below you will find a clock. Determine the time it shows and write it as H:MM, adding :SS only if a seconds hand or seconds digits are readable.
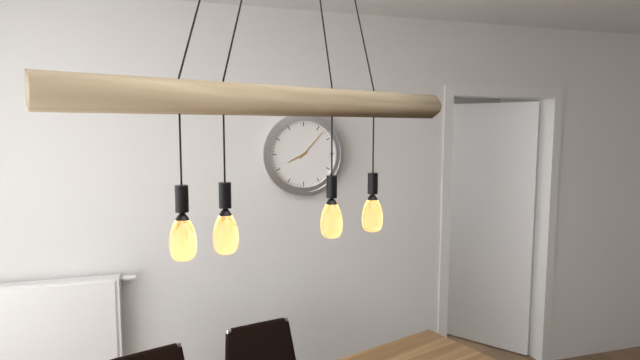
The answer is 8:07
